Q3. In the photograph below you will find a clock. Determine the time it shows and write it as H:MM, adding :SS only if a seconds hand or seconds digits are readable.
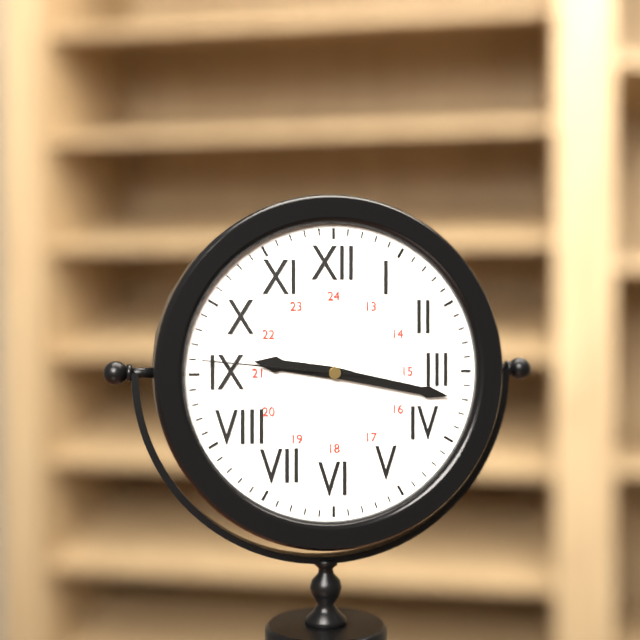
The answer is 9:17:46
